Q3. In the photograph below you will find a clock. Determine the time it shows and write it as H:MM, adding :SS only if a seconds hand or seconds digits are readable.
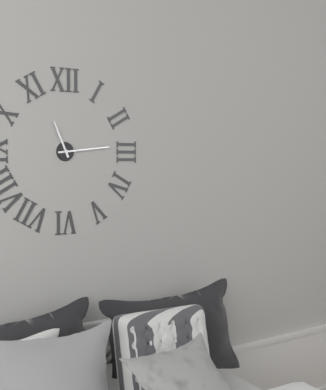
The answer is 11:14
